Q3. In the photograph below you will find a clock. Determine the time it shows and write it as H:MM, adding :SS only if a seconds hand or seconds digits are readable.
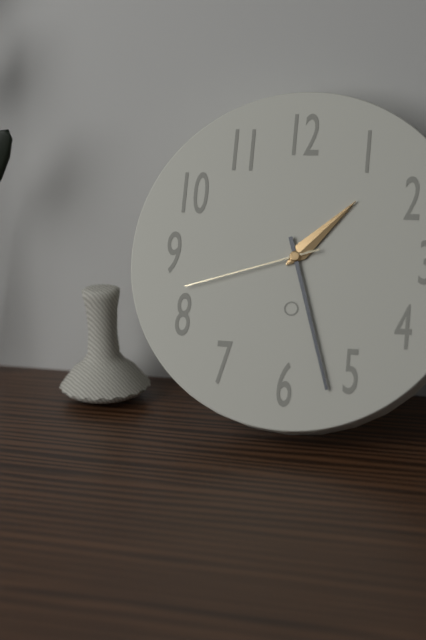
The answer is 1:27:42
